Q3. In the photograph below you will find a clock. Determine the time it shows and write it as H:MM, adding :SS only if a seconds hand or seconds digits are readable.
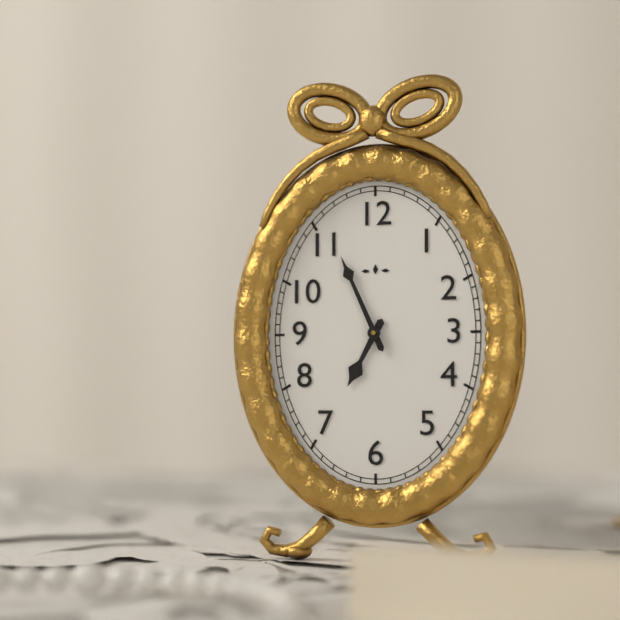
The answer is 6:56
